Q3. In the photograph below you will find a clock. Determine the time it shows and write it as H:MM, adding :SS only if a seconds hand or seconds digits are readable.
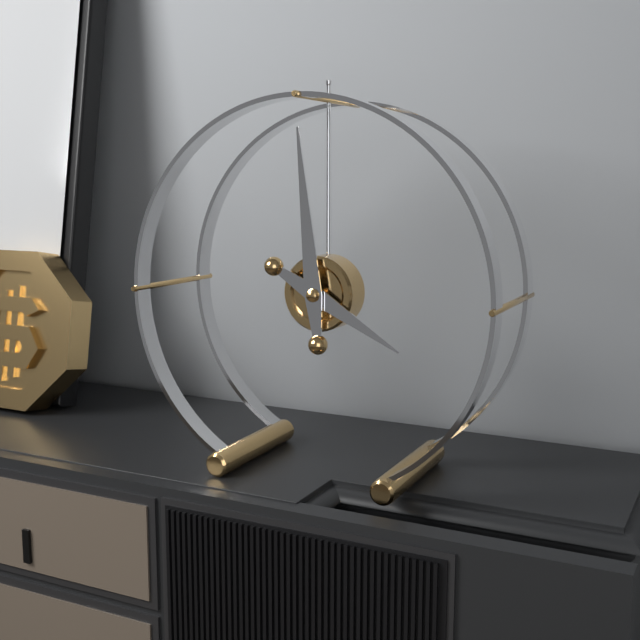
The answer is 3:59
